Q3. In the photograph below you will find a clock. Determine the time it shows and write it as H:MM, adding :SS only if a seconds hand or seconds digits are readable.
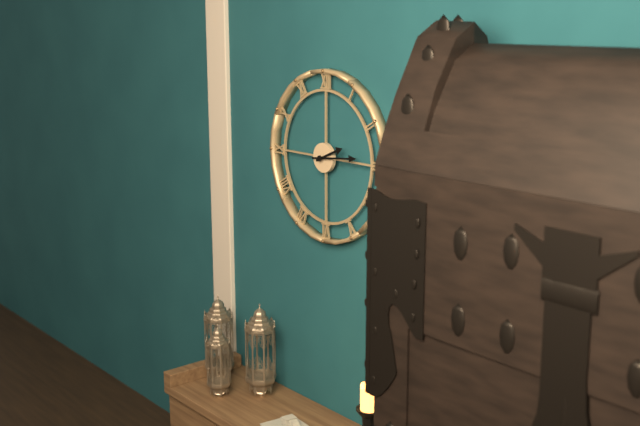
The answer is 2:14
